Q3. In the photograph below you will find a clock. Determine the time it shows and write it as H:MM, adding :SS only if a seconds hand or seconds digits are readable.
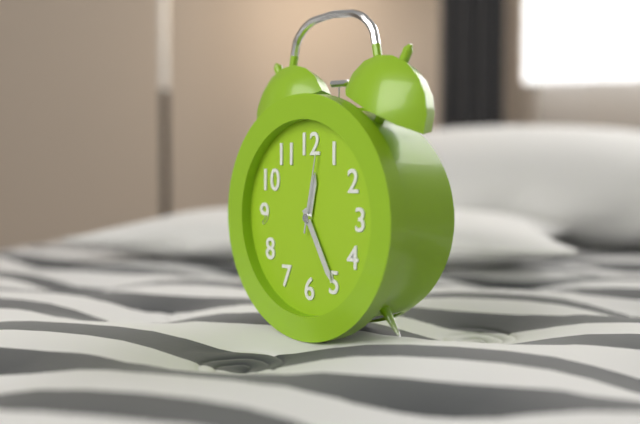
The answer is 12:25:02
